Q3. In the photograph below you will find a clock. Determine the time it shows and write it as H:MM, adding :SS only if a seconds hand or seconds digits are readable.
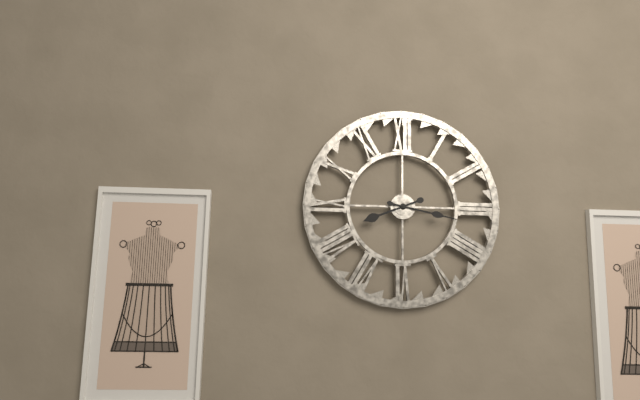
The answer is 8:17
